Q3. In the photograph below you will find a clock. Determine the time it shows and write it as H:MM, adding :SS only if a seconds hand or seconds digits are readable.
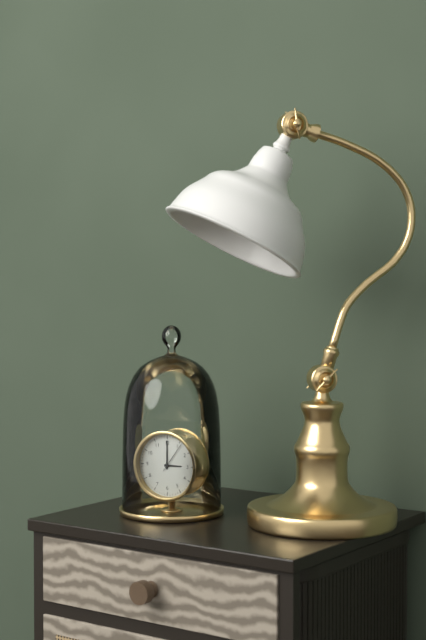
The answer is 3:00
